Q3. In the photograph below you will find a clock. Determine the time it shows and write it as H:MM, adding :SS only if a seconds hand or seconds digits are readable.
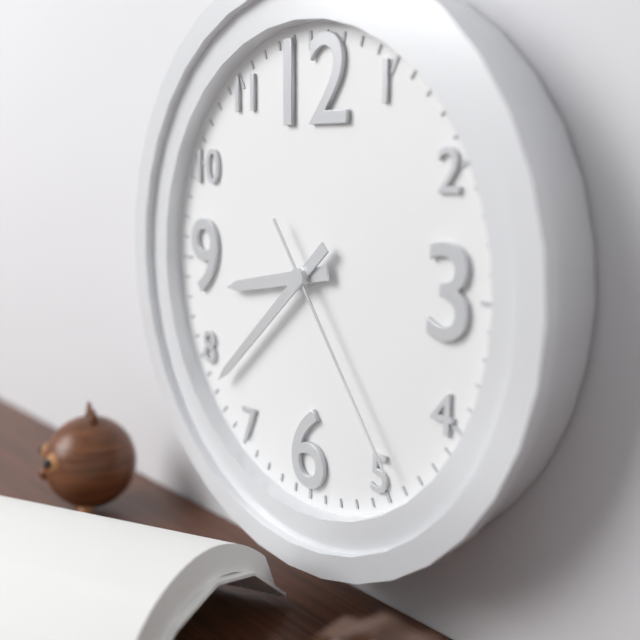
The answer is 8:38:24
